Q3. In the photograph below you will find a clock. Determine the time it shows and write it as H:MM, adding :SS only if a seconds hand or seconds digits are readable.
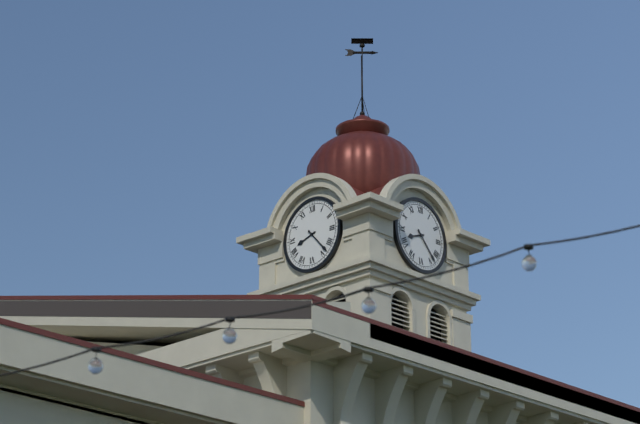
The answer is 8:23
